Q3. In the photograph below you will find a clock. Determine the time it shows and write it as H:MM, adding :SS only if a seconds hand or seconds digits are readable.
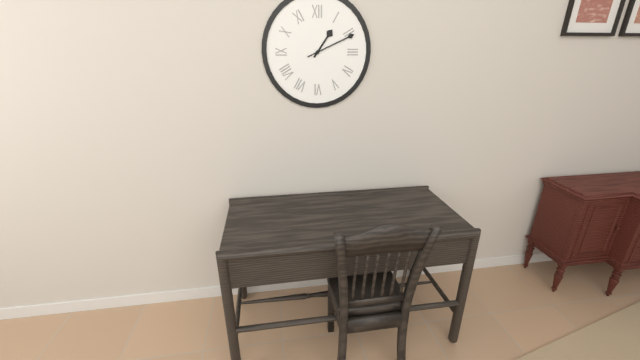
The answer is 1:11
